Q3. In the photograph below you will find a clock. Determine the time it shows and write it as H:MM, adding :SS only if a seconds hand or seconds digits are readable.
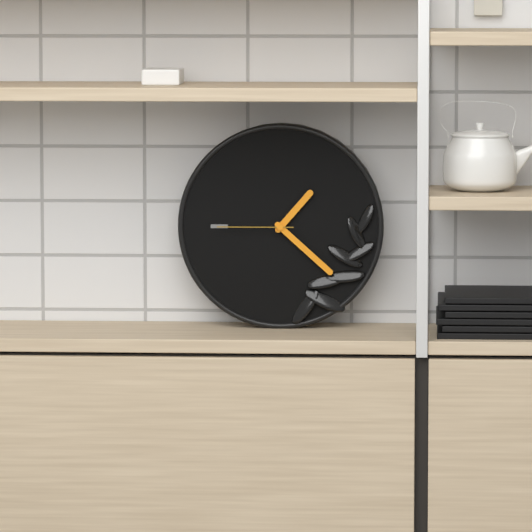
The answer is 1:22:45
